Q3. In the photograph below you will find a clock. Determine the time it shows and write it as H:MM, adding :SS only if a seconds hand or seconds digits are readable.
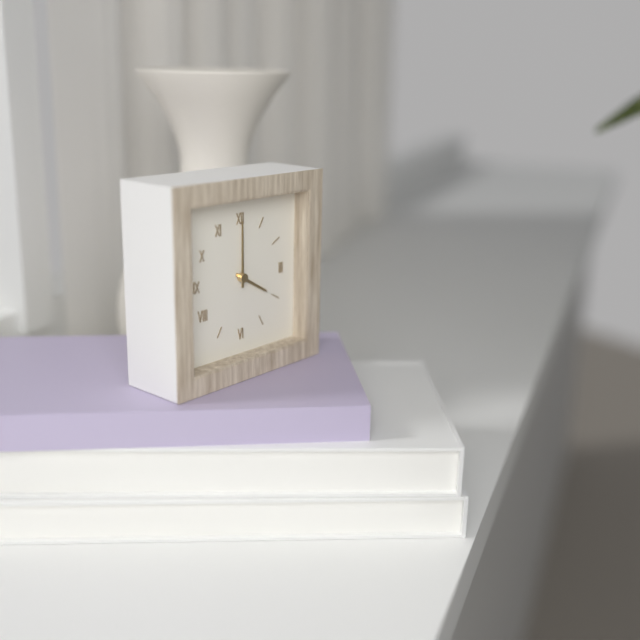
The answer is 4:00
